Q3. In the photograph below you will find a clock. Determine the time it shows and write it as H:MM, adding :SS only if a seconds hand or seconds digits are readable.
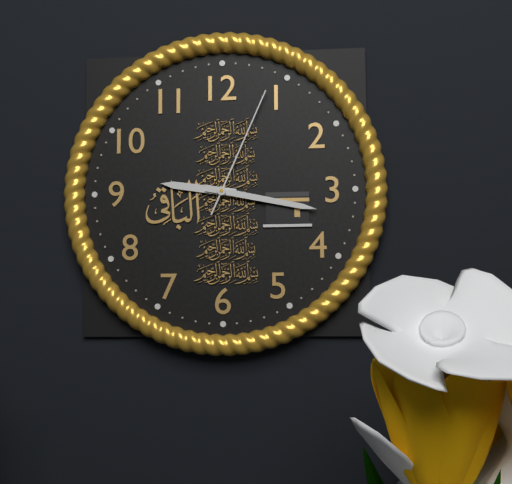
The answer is 9:17:04
